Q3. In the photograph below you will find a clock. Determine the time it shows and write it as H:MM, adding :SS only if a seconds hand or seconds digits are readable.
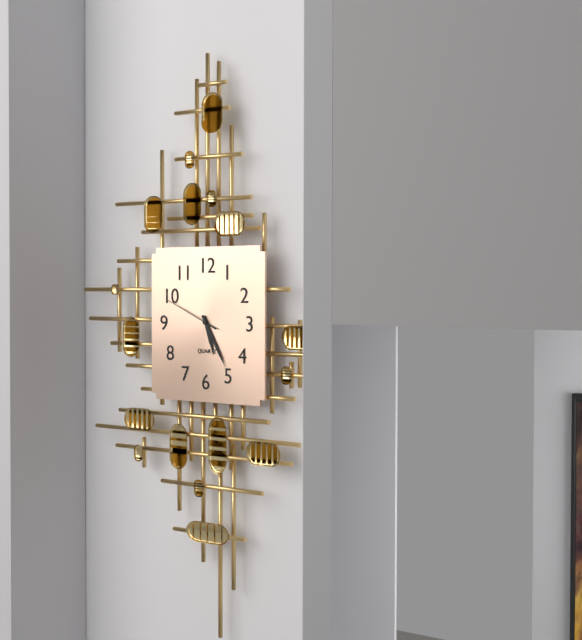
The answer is 5:25:49
